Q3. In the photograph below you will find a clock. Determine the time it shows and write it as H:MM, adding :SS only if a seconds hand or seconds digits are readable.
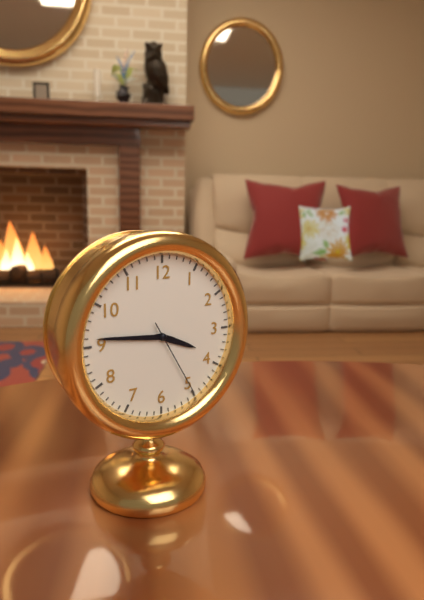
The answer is 3:46:25
